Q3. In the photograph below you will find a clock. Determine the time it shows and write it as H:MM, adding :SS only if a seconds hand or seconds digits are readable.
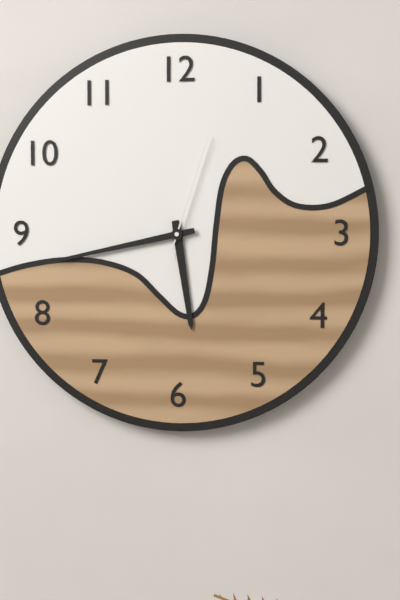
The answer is 5:43:03
